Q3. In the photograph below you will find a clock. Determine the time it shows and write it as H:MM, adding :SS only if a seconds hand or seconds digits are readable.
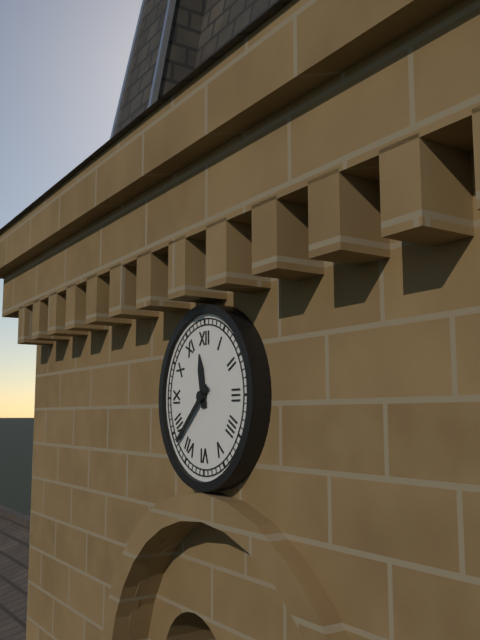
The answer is 11:38
